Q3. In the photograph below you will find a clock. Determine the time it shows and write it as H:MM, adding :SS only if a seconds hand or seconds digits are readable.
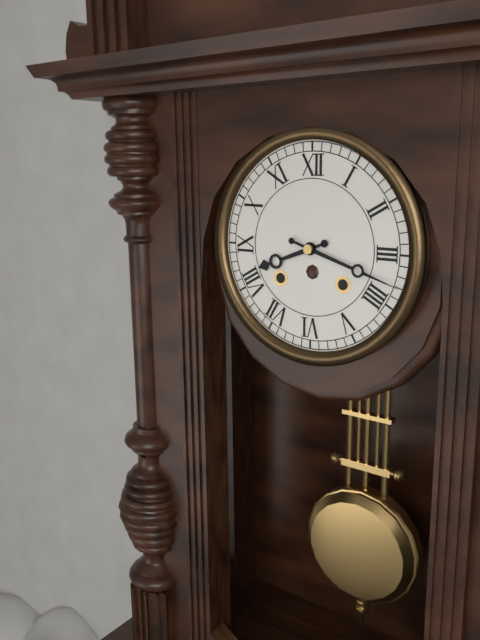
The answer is 8:18
